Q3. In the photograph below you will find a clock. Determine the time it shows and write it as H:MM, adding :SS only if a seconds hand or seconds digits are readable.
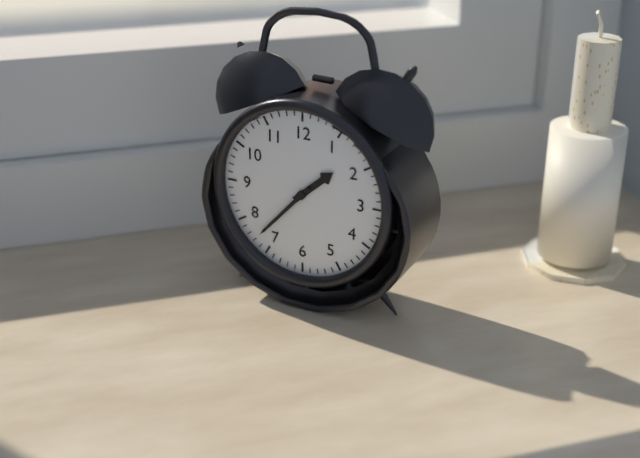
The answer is 1:37
